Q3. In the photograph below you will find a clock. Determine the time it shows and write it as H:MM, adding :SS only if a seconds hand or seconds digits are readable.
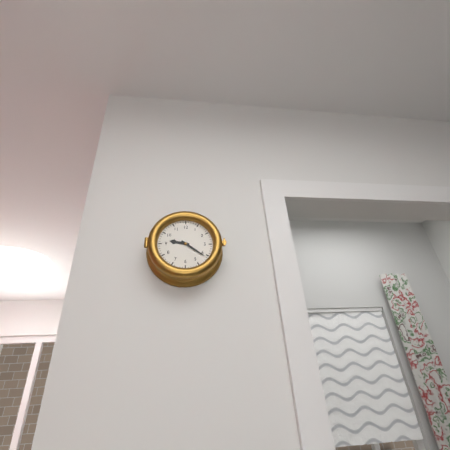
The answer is 9:21
